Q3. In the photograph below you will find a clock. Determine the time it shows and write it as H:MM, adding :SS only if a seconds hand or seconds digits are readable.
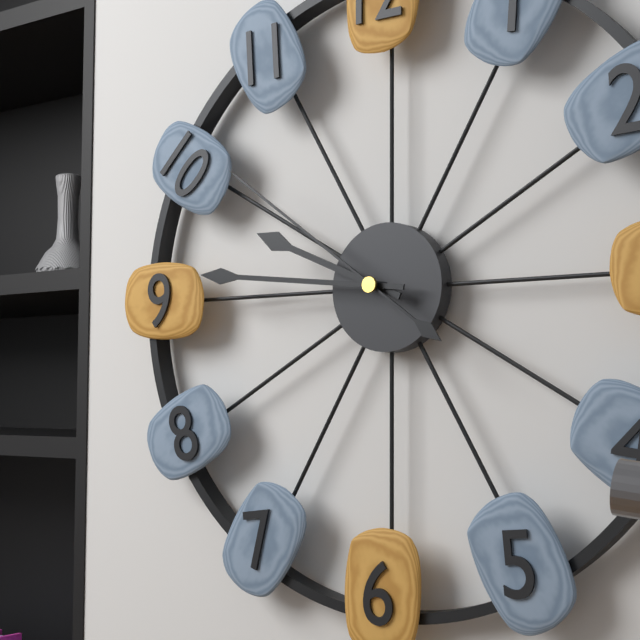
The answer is 9:46:51
